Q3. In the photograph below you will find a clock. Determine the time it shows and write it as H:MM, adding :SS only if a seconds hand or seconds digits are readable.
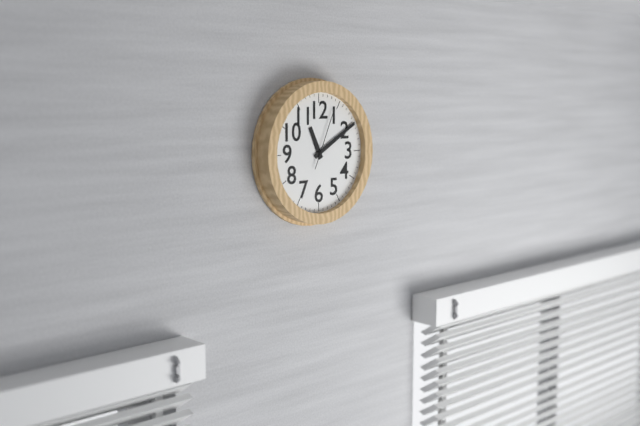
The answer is 11:10:04
